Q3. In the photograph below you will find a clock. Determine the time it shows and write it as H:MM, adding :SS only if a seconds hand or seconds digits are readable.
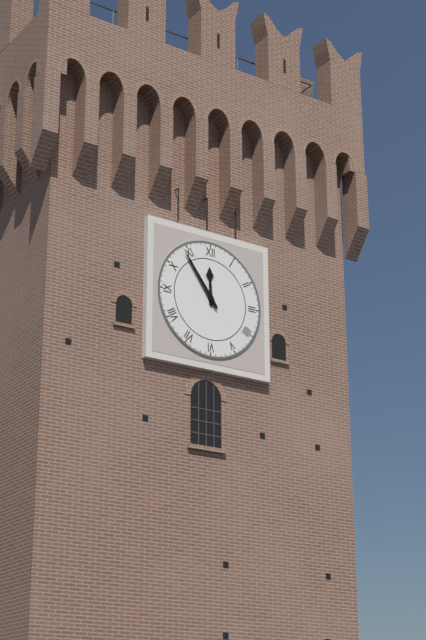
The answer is 11:54
